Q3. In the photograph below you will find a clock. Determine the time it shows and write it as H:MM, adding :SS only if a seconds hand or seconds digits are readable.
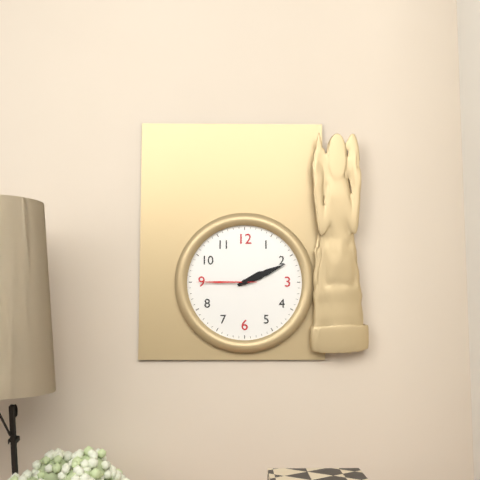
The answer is 2:11:45
